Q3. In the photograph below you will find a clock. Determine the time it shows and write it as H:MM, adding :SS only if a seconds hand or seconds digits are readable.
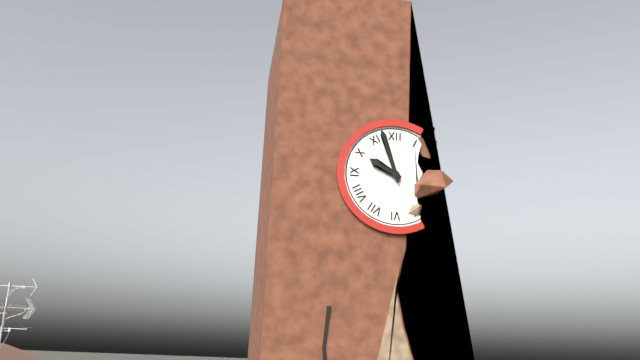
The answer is 9:57
